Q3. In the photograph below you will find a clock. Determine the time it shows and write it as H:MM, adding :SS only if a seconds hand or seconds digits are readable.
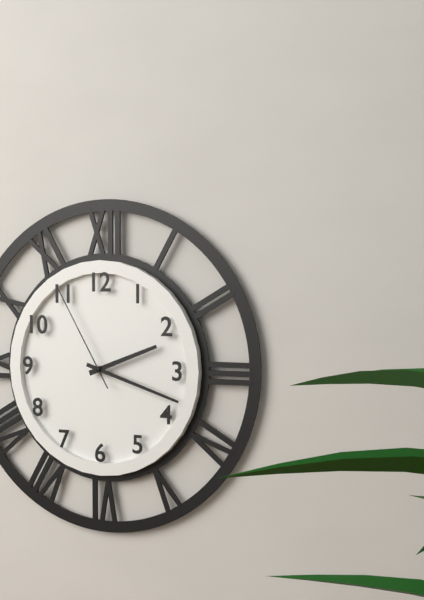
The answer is 2:18:55
